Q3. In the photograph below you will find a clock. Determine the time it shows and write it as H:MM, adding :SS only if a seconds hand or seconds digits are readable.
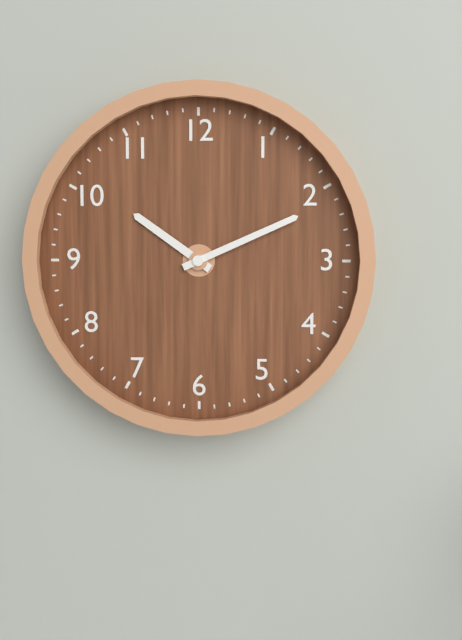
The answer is 10:11
